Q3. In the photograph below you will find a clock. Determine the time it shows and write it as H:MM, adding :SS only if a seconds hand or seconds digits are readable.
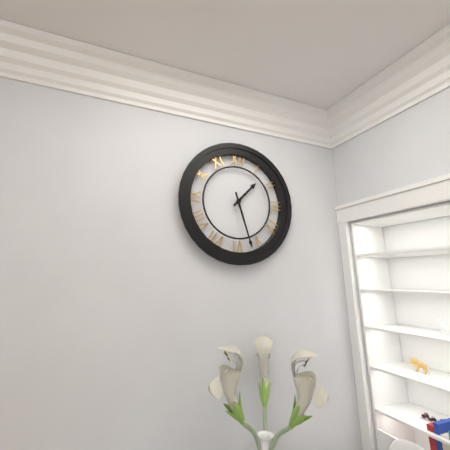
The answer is 1:27
